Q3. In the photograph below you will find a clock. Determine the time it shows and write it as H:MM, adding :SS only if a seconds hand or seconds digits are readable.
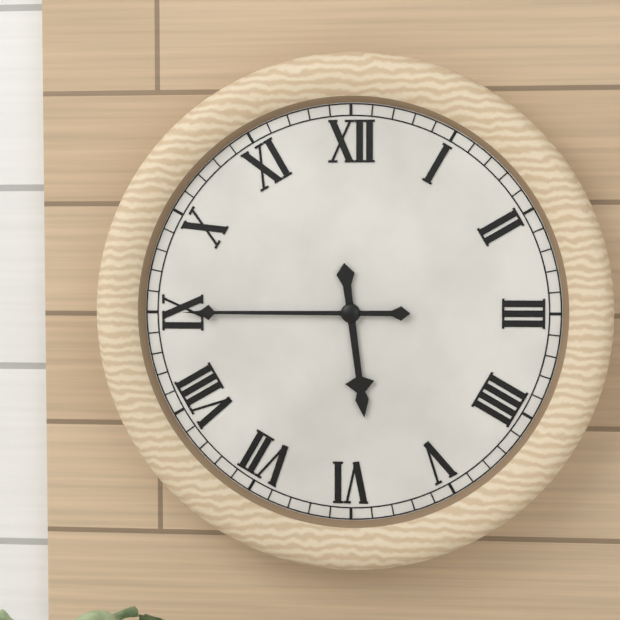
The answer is 5:45
